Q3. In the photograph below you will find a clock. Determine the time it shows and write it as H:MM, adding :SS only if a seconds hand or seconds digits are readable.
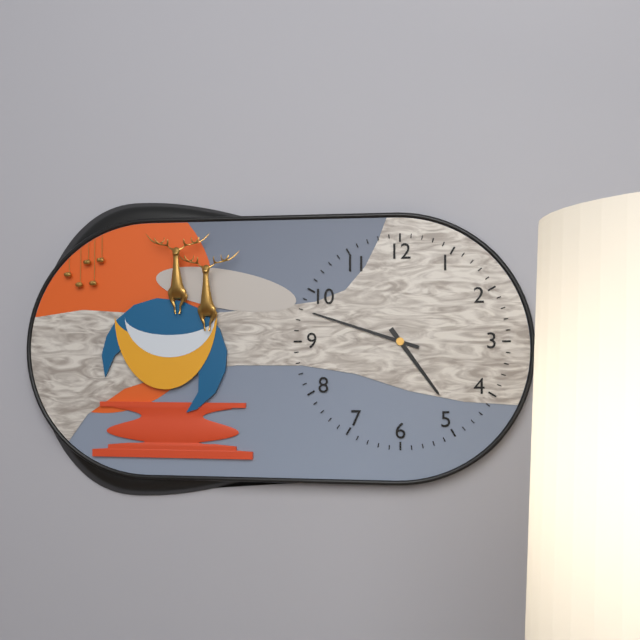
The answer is 4:48
